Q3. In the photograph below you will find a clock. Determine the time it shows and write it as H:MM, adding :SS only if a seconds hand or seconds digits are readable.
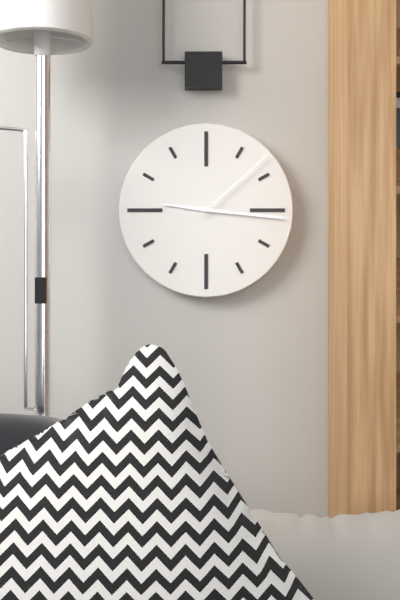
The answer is 9:16:08
